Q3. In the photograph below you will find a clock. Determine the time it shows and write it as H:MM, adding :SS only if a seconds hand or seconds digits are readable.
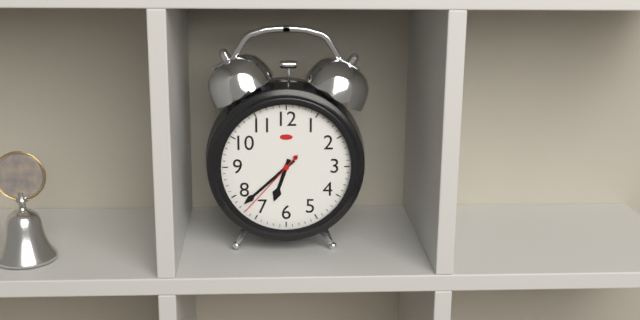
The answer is 6:38:37
